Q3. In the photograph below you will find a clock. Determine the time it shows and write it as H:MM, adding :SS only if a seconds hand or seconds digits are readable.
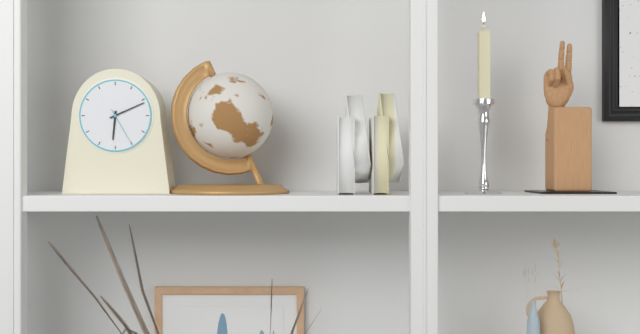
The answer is 6:11
